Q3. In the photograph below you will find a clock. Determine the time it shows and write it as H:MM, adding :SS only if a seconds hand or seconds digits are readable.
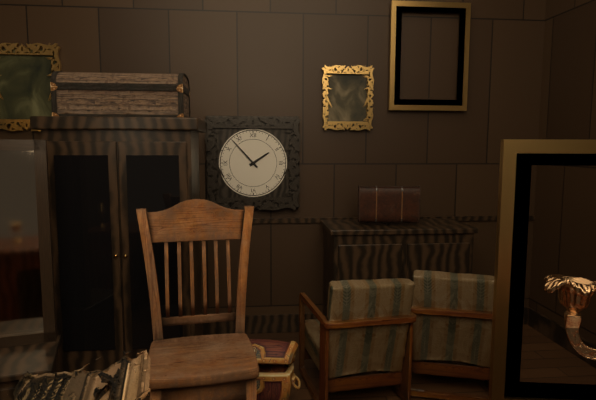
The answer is 1:53
